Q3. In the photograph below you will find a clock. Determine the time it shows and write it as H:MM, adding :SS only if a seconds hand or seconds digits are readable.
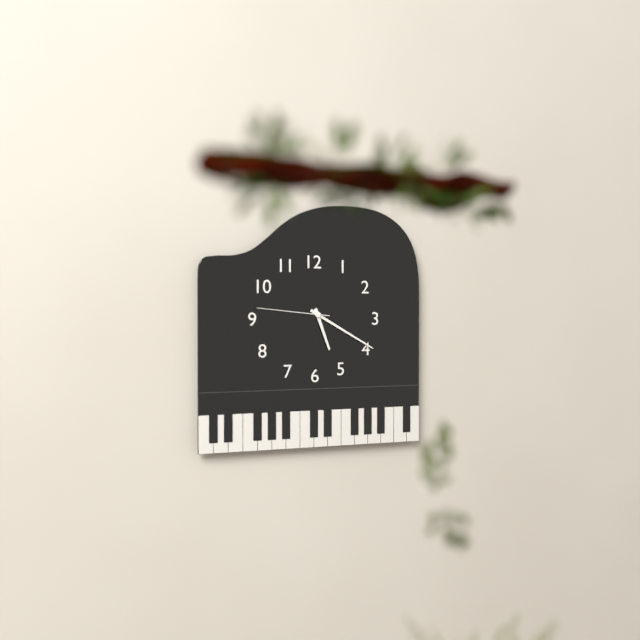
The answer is 5:20:46
